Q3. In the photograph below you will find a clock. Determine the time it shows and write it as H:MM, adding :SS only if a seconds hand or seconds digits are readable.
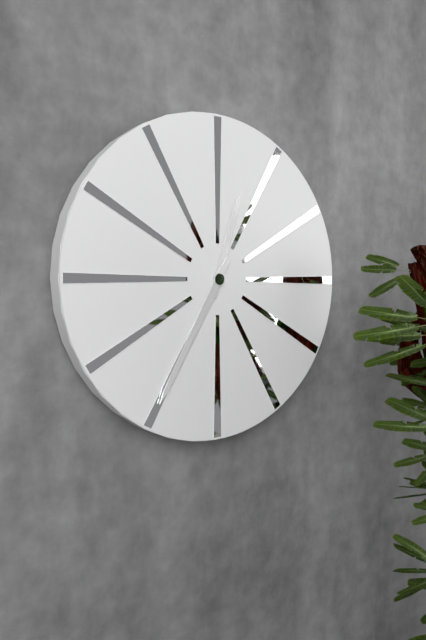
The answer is 12:35
